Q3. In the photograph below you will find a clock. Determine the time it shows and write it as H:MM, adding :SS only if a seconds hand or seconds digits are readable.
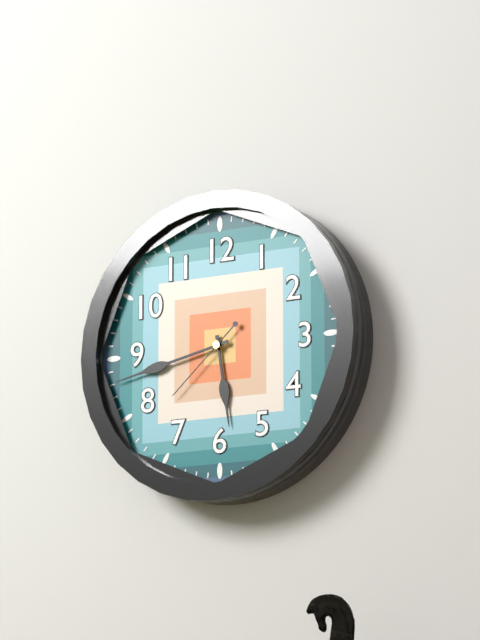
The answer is 5:43:38
